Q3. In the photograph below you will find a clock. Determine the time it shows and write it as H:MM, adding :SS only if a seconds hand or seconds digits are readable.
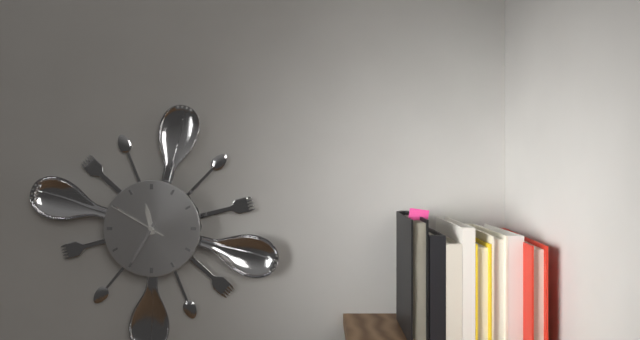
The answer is 11:35:50
